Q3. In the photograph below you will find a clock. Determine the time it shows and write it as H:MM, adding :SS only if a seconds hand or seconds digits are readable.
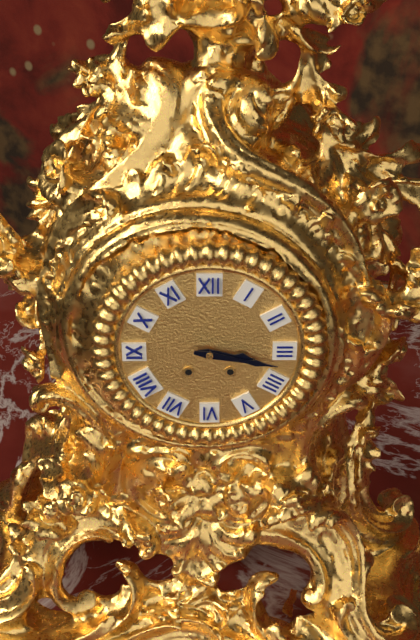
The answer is 3:17
